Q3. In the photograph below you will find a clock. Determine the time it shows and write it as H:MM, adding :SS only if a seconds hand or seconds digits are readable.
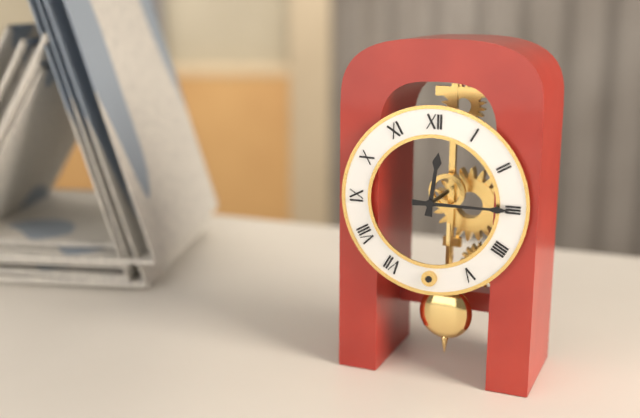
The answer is 12:15
